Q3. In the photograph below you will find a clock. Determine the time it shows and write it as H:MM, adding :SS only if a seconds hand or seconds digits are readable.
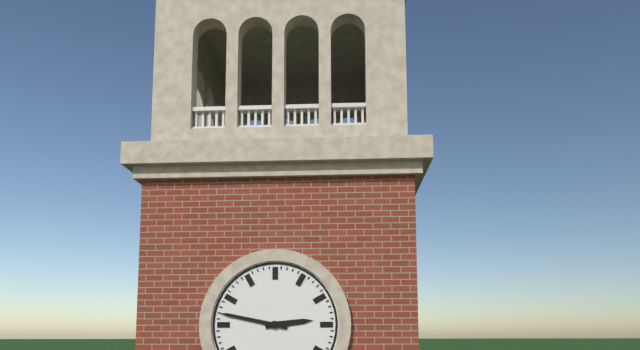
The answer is 2:47
